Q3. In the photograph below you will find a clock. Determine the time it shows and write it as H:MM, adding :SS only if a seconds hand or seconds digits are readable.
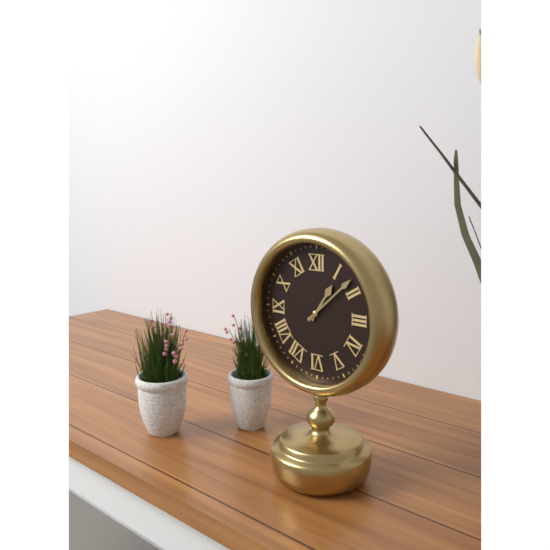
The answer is 1:08
